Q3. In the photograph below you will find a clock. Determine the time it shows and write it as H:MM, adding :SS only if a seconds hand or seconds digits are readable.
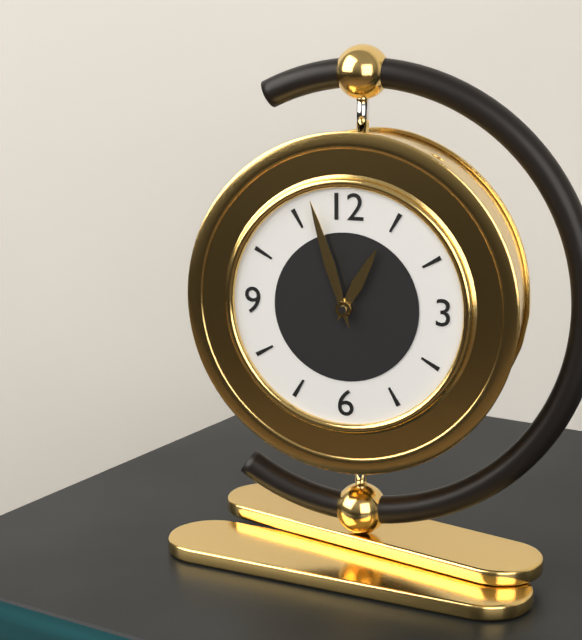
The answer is 12:57
